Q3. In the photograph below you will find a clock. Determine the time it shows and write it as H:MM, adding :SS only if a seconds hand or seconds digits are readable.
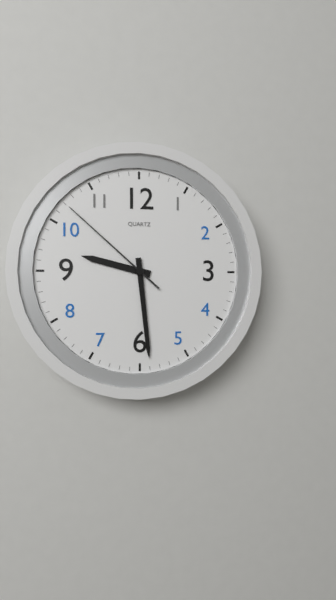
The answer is 9:29:52
